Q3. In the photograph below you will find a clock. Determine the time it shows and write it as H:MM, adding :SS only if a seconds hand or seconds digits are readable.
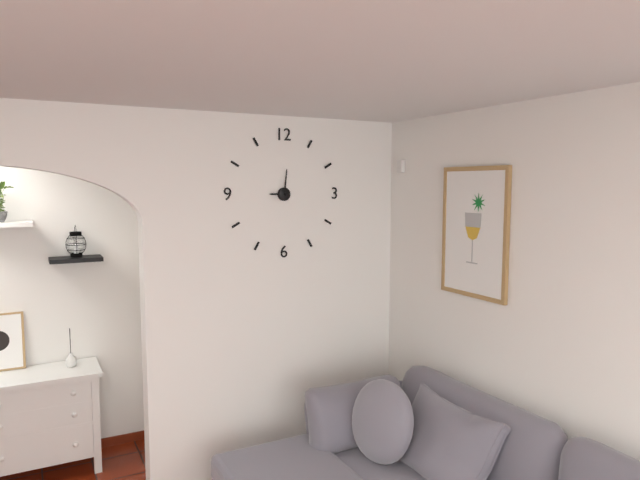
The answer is 9:01
